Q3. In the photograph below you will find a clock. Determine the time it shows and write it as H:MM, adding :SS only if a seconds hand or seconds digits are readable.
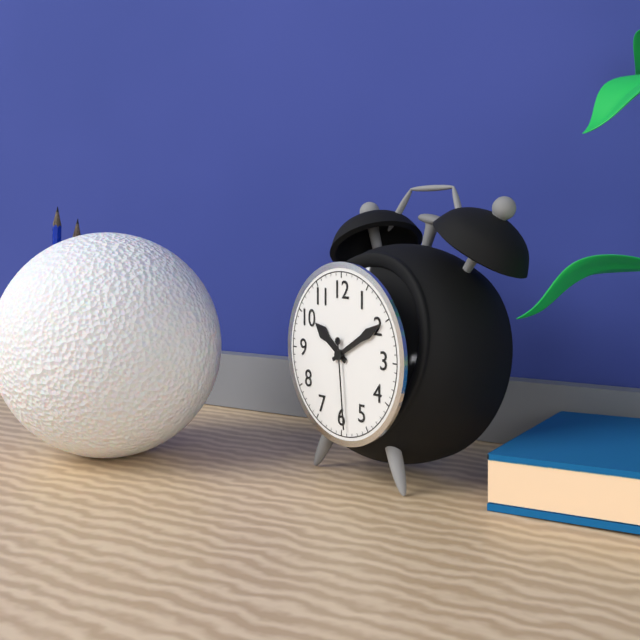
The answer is 10:10:29
